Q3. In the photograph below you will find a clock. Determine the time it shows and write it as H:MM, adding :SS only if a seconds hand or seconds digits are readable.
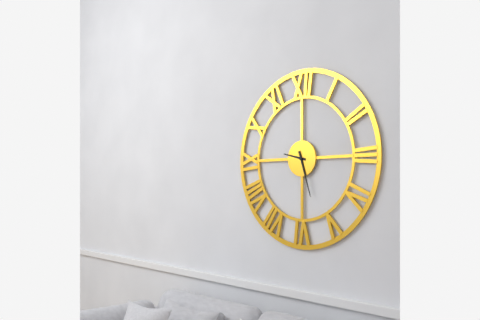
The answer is 9:27
